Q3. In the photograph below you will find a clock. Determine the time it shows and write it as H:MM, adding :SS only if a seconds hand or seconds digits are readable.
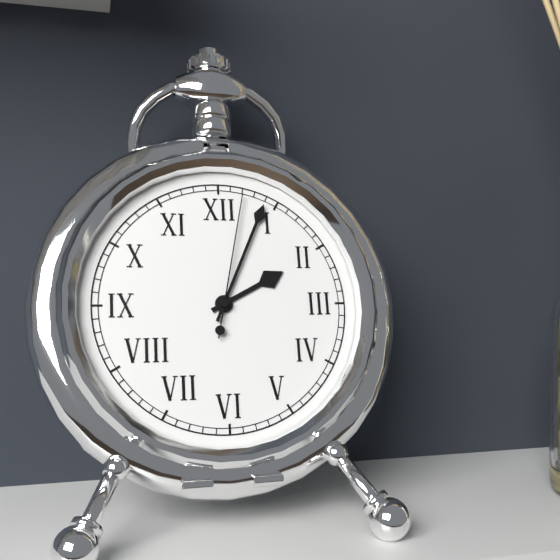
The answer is 2:04:02
